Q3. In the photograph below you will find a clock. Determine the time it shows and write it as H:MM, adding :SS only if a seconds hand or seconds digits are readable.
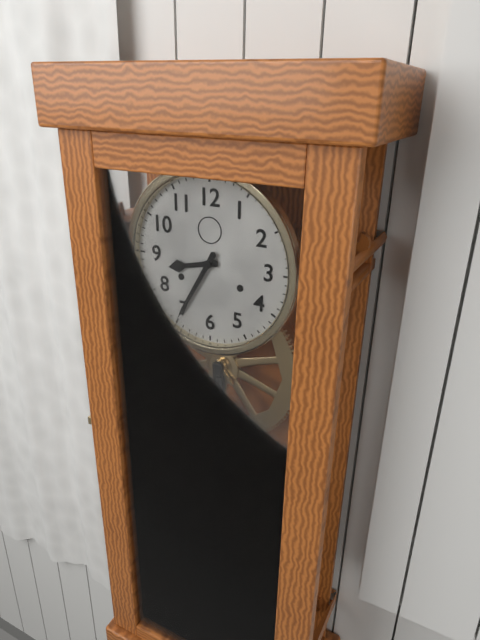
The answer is 8:35
